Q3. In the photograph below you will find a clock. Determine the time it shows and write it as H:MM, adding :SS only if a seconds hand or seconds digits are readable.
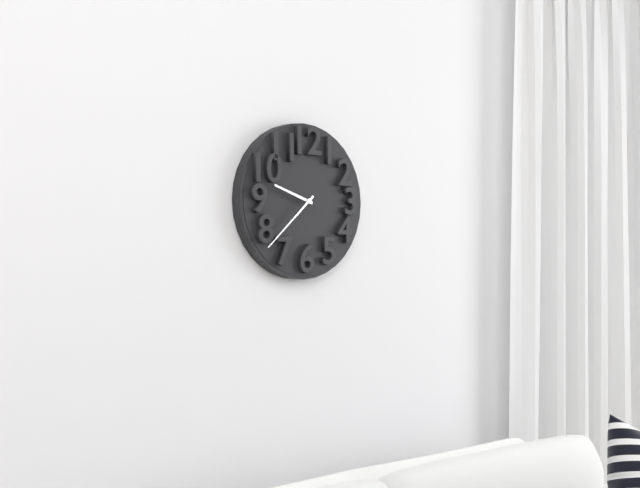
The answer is 9:38
